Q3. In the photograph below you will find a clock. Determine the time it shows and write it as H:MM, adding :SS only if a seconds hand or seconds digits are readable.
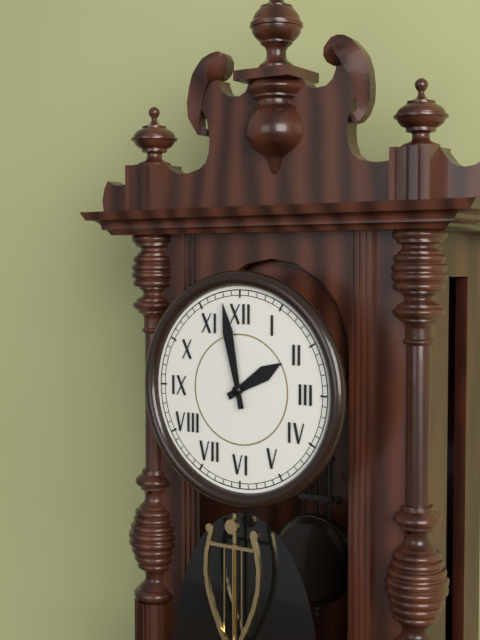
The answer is 1:58
